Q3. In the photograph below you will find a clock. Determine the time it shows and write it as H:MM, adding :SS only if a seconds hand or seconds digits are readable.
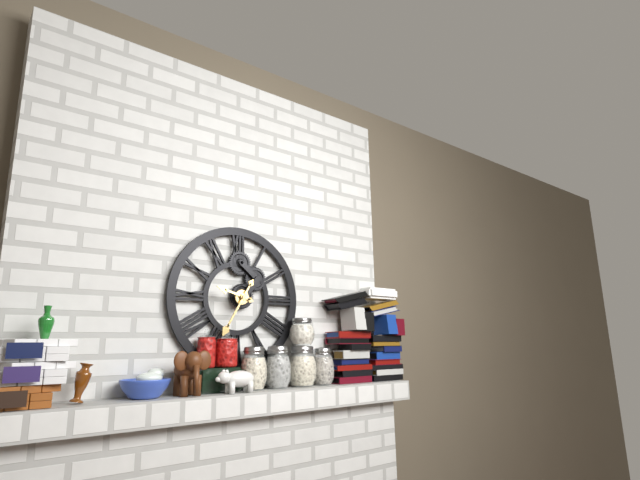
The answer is 9:35
